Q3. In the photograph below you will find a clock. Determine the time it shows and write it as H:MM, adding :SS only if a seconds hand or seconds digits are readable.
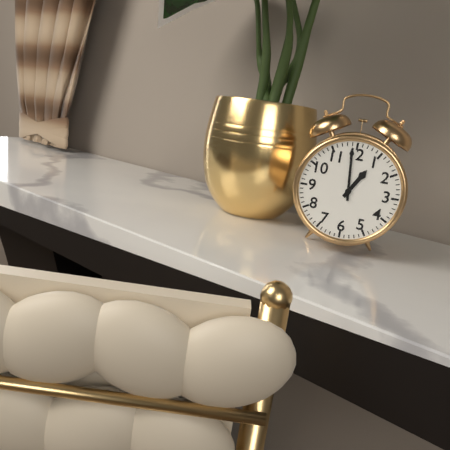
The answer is 12:59
